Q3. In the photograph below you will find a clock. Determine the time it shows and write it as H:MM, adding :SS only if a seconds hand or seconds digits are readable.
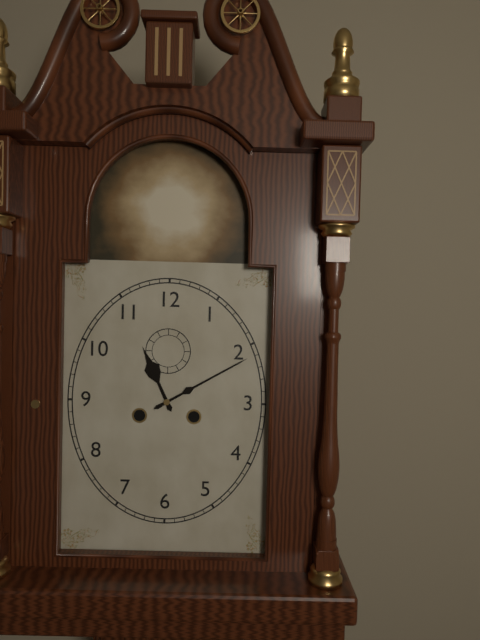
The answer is 11:10
